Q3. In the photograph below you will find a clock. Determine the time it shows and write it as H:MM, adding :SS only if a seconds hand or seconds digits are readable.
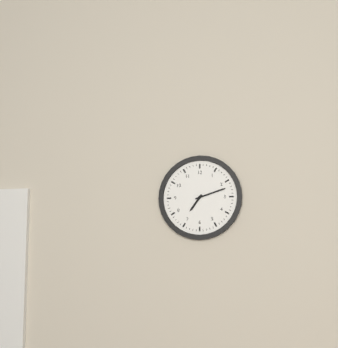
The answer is 7:12
